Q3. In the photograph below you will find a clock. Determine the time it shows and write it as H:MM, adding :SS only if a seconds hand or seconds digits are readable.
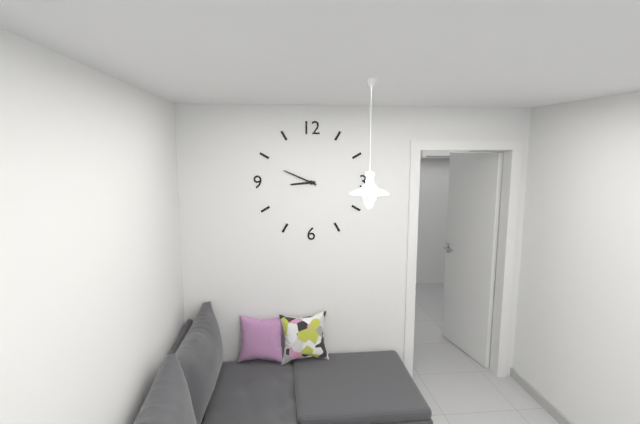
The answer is 8:49
